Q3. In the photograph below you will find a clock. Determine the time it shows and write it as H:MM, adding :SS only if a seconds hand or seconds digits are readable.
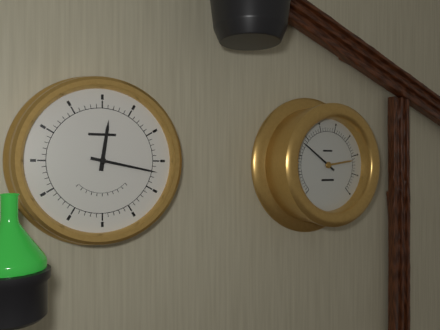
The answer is 12:17
